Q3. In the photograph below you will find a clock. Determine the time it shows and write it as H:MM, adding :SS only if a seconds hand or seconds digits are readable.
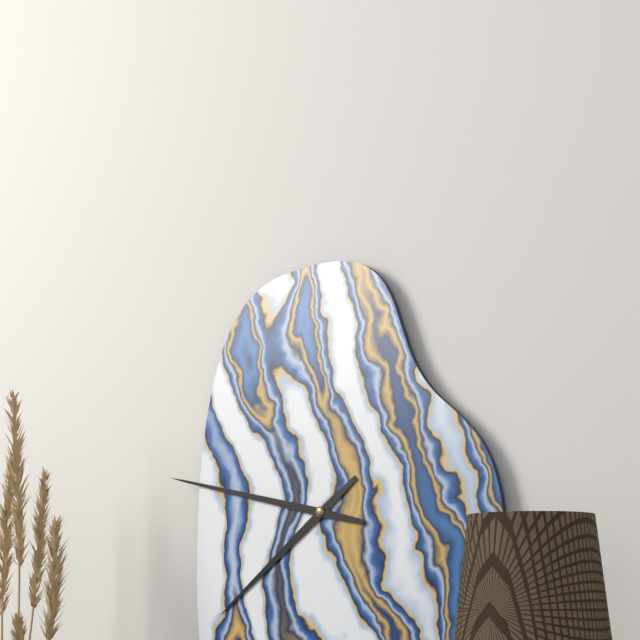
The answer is 7:47
